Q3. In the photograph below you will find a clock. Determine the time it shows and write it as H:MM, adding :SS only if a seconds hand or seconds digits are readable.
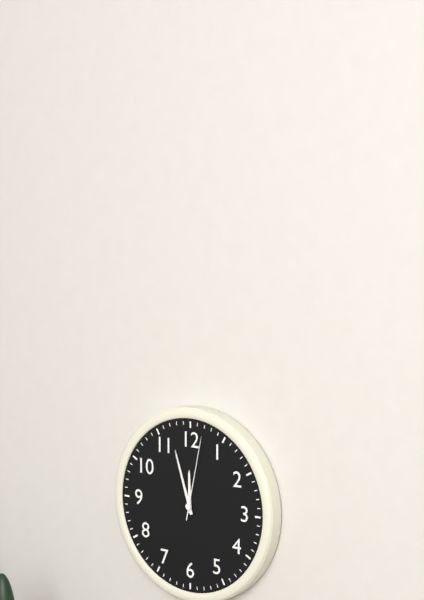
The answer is 11:57:02
